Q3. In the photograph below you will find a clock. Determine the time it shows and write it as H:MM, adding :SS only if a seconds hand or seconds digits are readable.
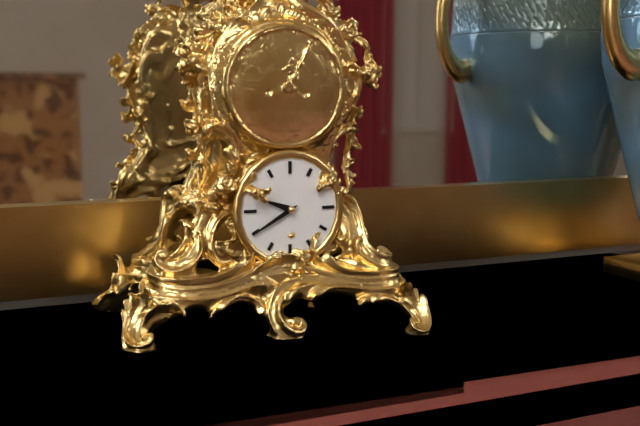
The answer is 9:40
